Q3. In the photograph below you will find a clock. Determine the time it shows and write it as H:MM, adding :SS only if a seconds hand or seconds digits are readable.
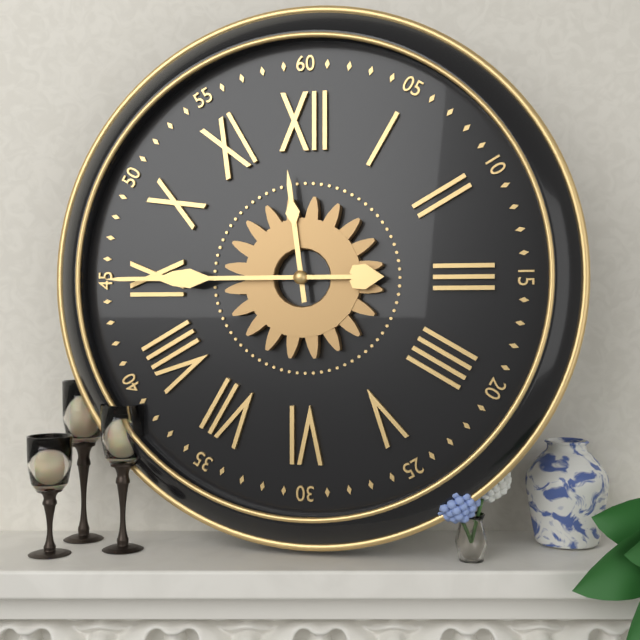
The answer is 11:45
